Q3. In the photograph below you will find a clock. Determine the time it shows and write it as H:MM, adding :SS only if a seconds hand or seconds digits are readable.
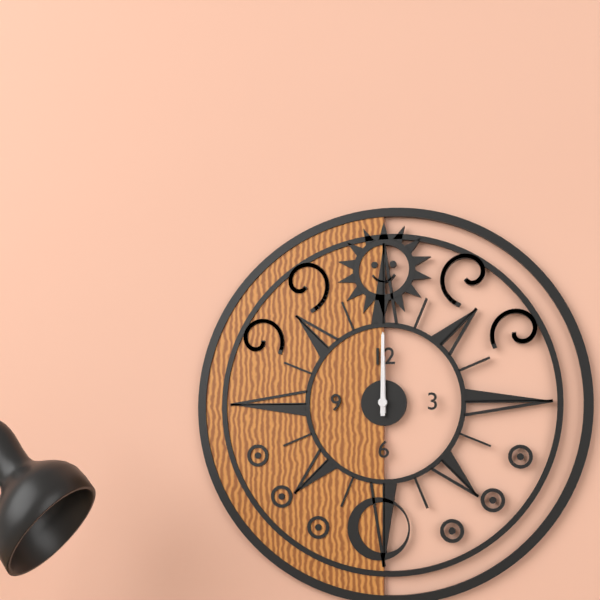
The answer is 12:00
